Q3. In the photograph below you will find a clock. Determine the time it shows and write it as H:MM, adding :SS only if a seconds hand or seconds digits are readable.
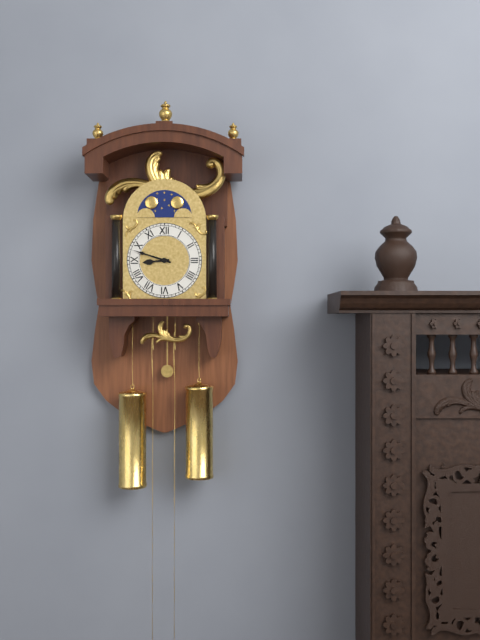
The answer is 8:48
